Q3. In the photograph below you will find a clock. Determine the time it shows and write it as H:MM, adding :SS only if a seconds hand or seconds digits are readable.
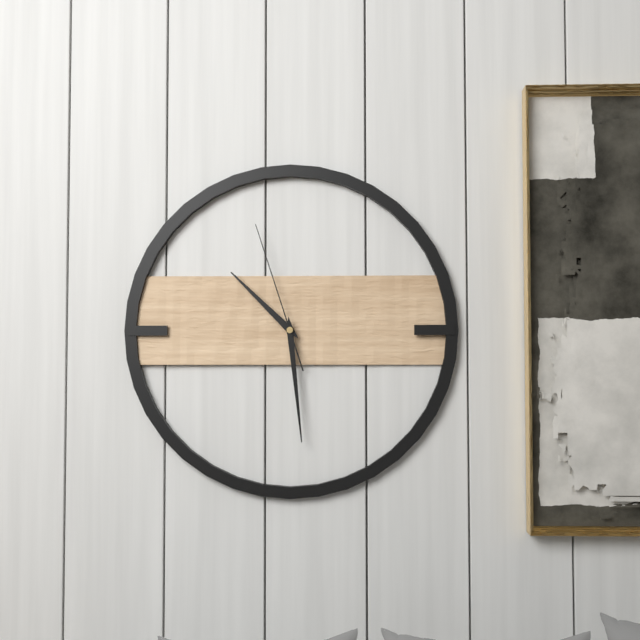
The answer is 10:29:57
